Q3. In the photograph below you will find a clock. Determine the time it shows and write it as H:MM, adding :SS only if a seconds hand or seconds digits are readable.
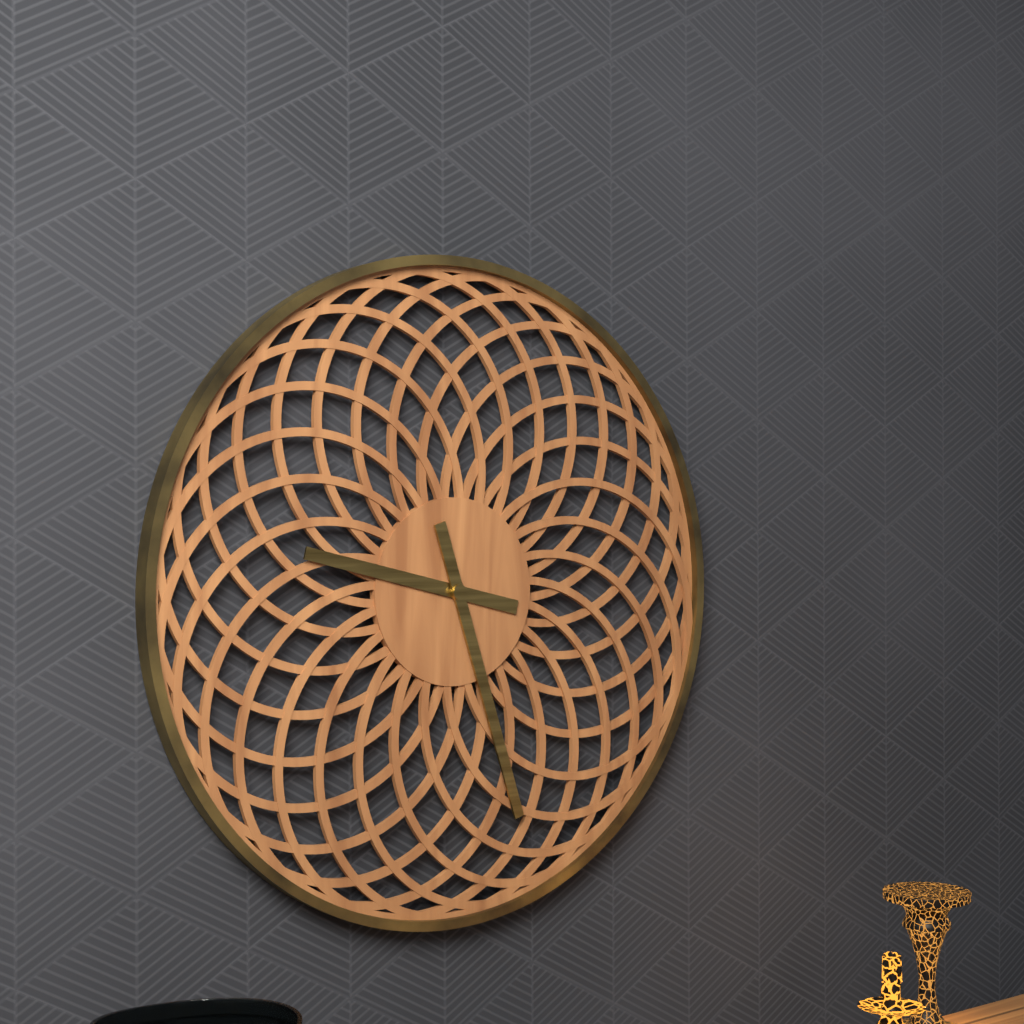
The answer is 9:27
